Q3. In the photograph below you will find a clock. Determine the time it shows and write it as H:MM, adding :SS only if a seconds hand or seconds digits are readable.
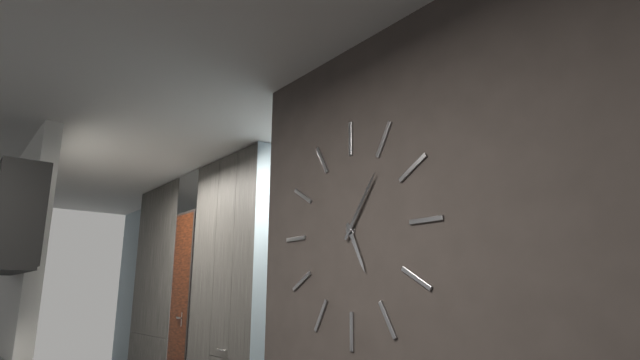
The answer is 5:06
